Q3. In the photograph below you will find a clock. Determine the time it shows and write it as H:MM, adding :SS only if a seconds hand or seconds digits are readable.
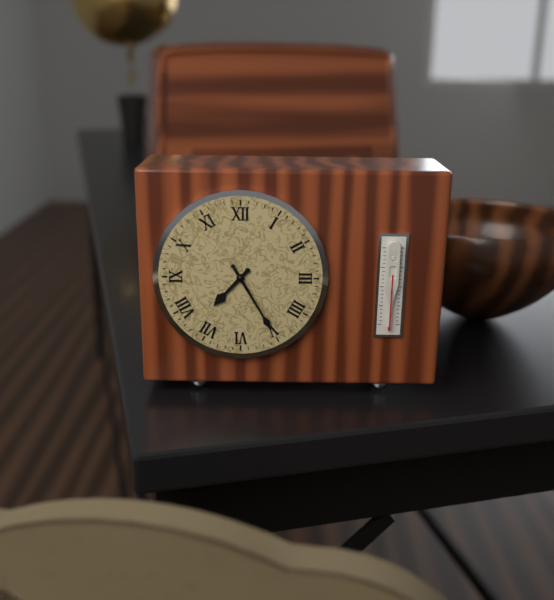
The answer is 7:25
